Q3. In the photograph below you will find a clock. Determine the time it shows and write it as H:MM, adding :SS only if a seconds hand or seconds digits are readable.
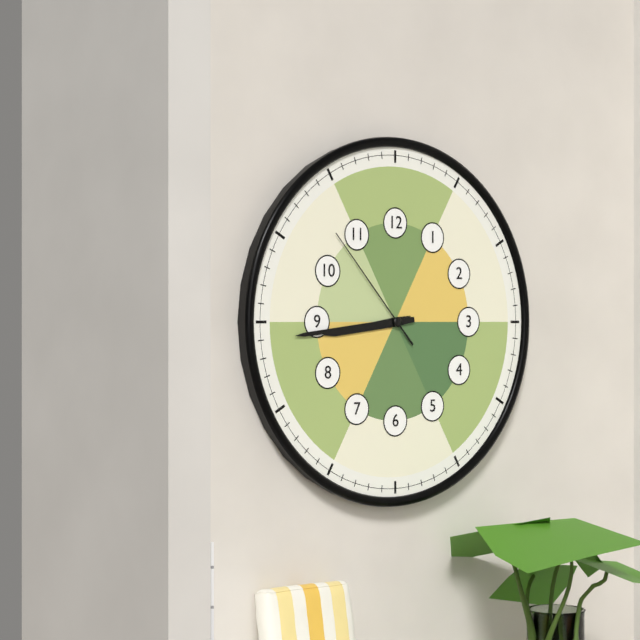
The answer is 8:44:53
